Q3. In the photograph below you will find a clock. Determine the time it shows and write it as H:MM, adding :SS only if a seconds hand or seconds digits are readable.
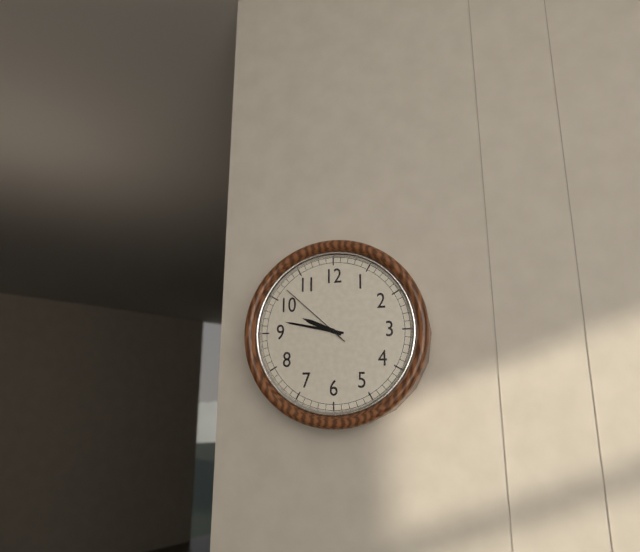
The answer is 9:47:52
